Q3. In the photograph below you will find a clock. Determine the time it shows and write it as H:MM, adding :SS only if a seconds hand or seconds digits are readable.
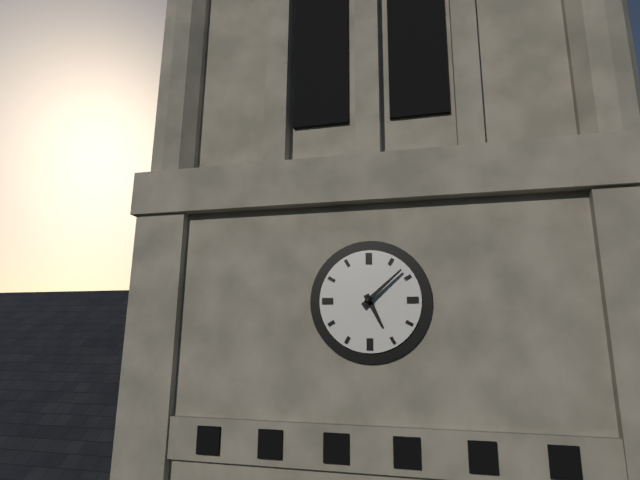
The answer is 5:08
